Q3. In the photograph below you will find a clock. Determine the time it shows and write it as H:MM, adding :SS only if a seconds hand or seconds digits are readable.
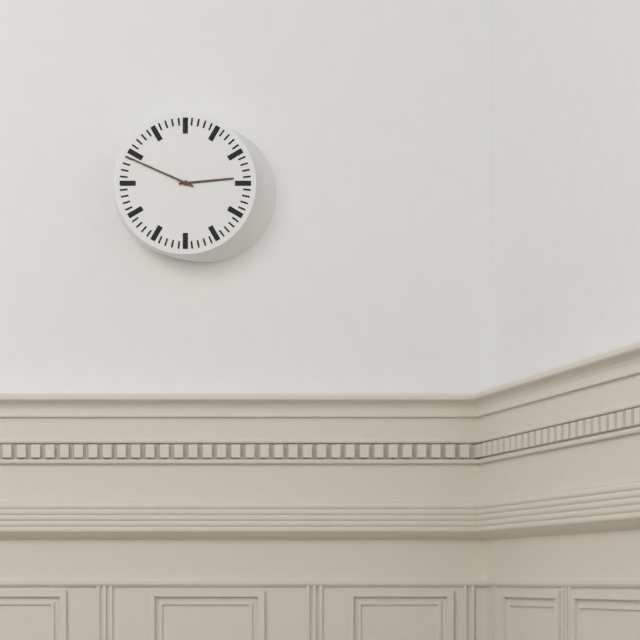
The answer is 2:49
